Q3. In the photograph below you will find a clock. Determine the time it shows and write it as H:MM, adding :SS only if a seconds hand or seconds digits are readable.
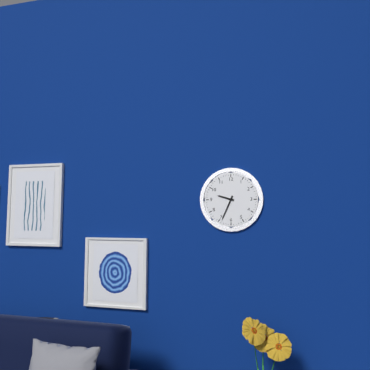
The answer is 9:34
